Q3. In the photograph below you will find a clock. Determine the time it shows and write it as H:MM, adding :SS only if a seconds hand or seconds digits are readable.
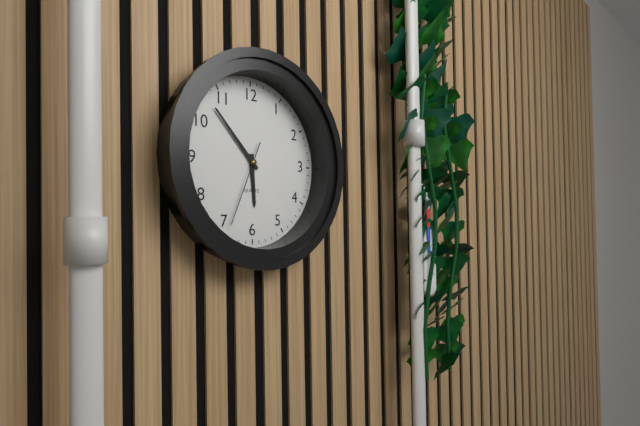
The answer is 5:53:34
